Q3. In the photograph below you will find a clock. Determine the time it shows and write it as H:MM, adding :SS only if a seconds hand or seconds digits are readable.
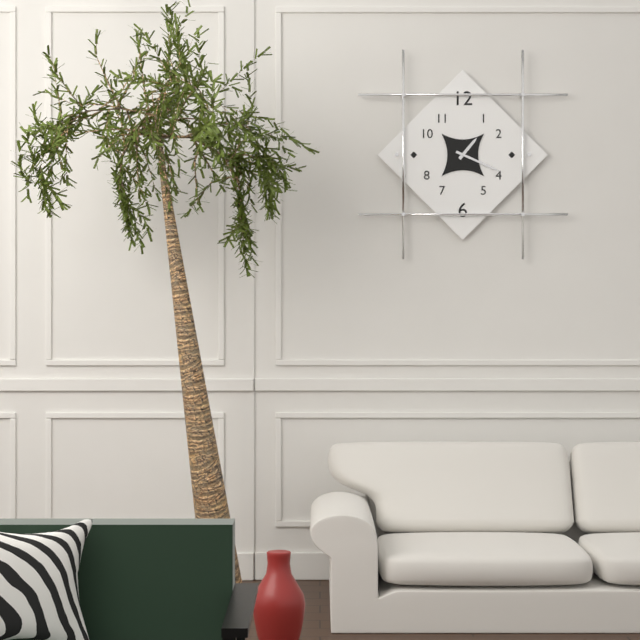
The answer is 1:19
